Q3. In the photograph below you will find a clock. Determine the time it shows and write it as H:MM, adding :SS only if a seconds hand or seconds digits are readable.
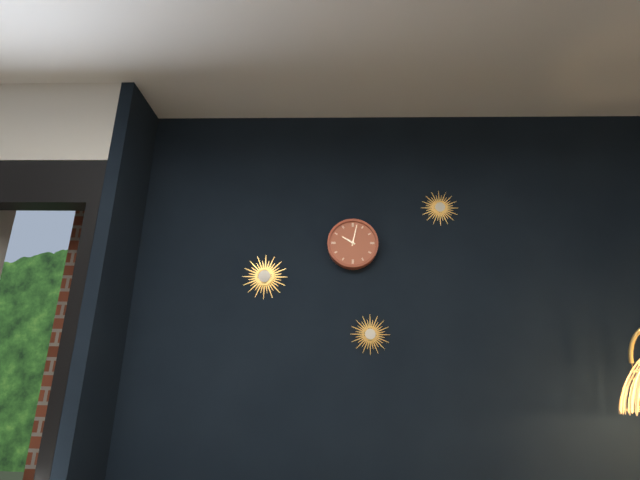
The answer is 10:02
